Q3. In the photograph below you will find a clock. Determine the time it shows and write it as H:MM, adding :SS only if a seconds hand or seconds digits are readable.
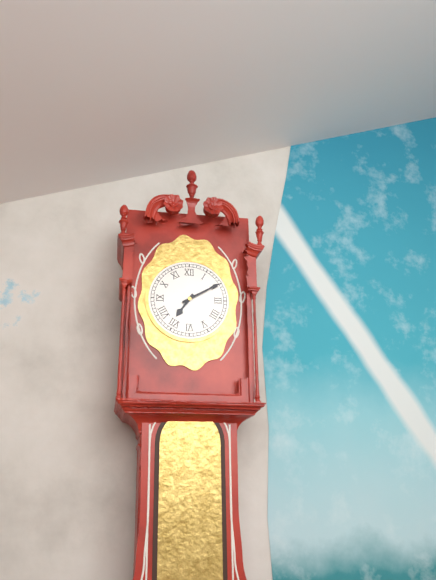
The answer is 7:10
